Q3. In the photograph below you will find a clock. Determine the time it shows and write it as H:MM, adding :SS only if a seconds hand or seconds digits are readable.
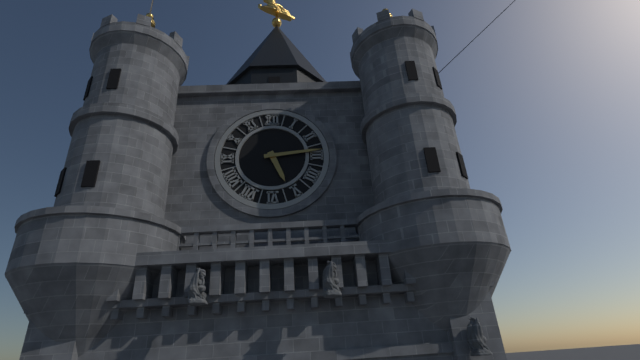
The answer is 5:14
